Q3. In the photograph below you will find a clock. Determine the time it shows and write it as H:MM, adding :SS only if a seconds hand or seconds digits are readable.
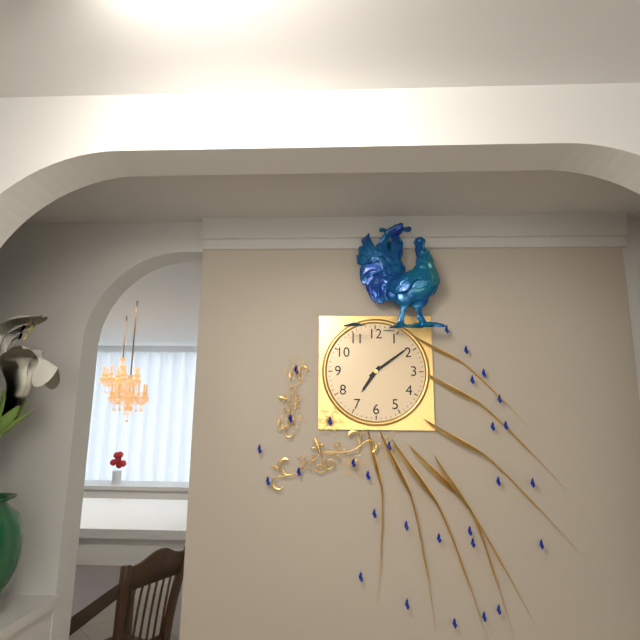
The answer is 7:09
